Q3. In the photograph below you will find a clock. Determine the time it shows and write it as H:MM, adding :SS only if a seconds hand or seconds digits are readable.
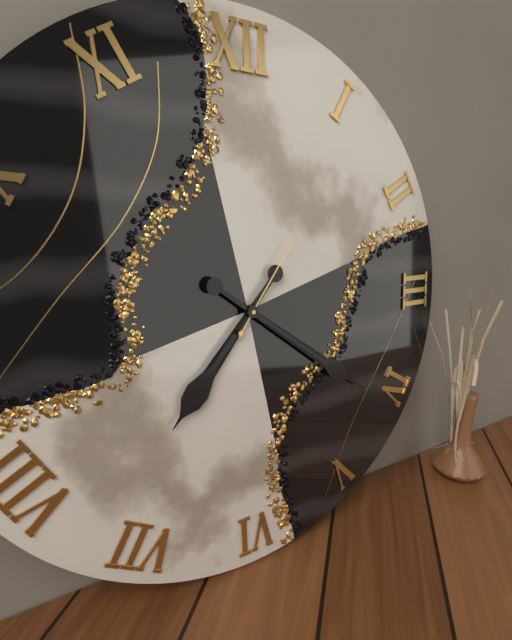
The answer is 7:21:06
